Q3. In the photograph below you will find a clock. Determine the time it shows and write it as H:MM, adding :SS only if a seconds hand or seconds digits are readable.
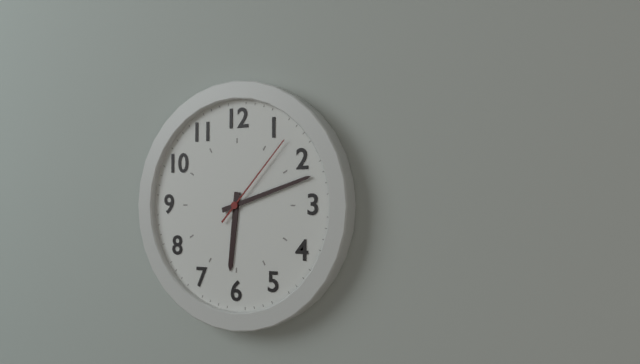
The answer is 6:12:07
